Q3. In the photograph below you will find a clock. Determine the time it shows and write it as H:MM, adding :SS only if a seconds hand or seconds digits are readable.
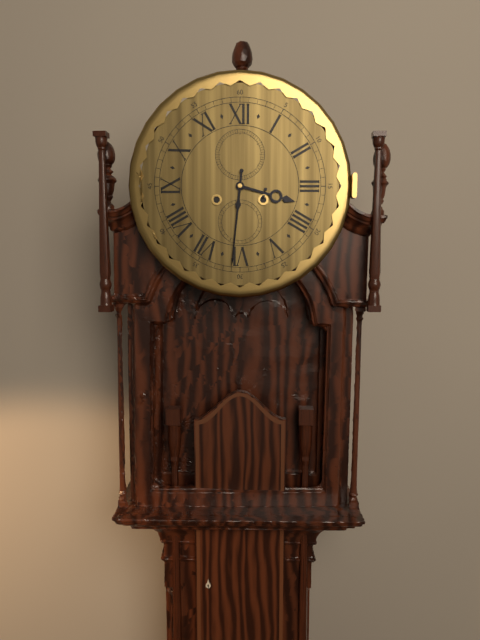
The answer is 3:31
